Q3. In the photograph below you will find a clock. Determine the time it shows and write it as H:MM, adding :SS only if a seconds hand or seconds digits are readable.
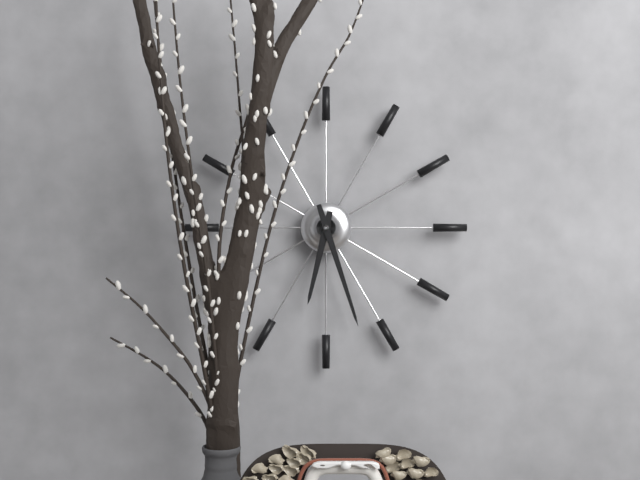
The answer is 6:27
